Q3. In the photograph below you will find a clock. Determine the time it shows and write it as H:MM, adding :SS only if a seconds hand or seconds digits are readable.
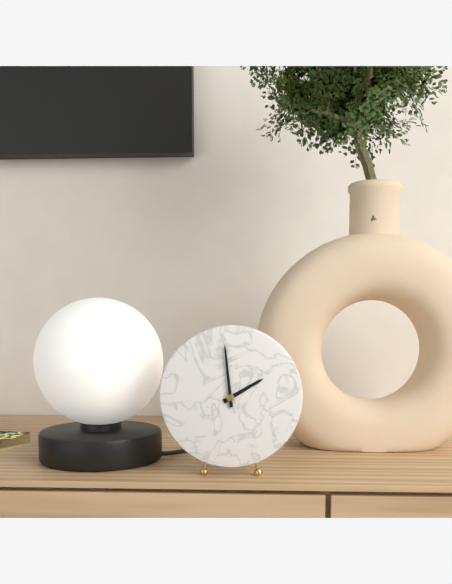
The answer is 1:59
